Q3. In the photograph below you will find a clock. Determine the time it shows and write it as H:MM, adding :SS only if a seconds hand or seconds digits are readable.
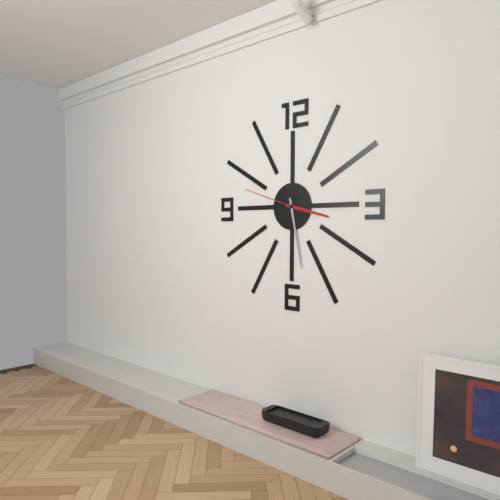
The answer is 3:28:48
